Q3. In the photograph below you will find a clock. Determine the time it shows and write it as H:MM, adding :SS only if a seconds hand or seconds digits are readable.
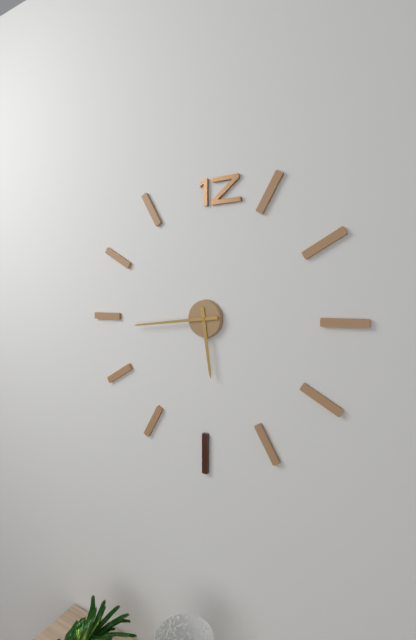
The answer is 5:44
